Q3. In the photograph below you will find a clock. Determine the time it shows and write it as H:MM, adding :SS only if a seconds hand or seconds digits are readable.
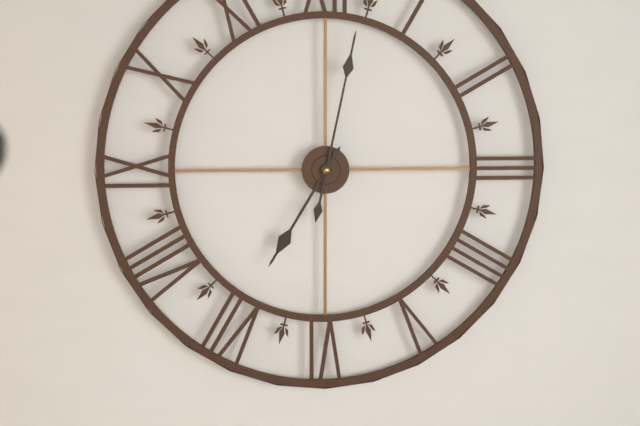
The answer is 7:02
